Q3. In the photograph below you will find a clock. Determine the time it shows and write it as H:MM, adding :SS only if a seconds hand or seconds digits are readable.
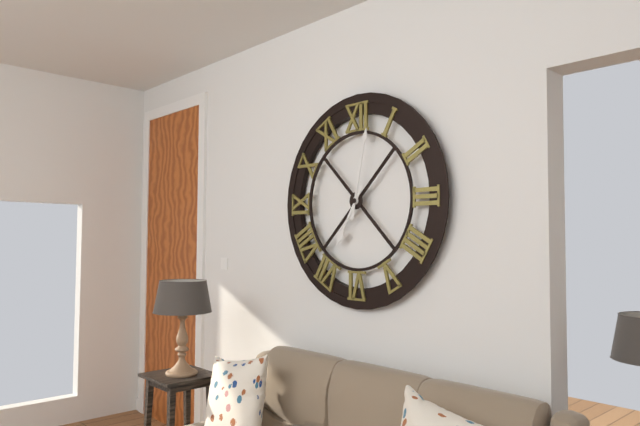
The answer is 7:02
